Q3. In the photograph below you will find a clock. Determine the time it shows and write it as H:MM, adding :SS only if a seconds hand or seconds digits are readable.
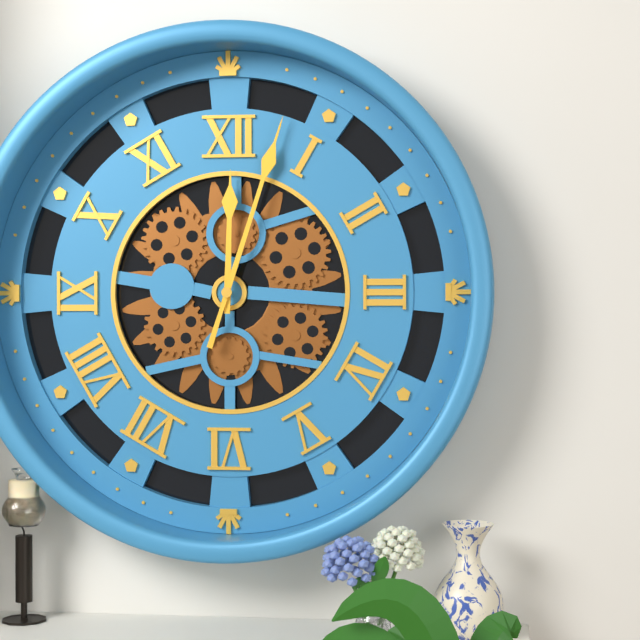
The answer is 12:03
